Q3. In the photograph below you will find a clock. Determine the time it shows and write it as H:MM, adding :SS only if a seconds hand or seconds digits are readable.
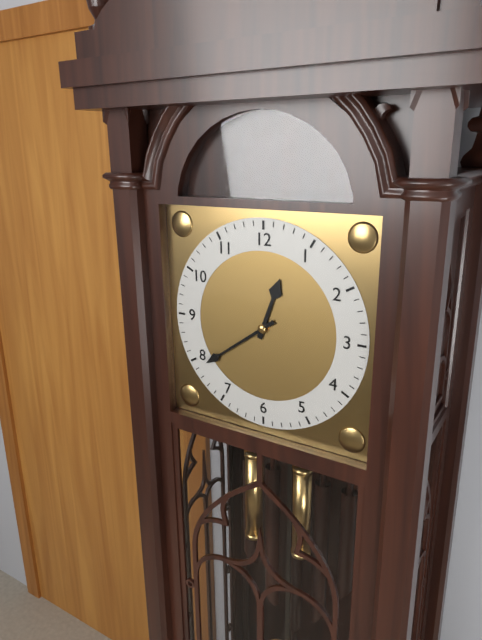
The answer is 12:39
